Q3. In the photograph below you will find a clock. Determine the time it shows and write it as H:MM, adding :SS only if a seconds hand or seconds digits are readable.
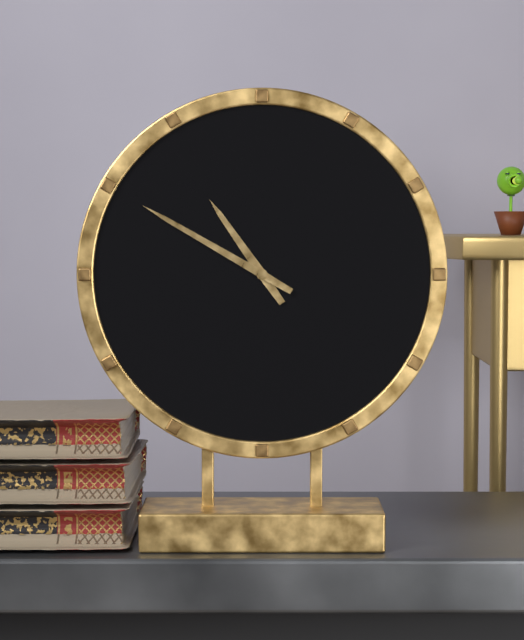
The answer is 10:50
